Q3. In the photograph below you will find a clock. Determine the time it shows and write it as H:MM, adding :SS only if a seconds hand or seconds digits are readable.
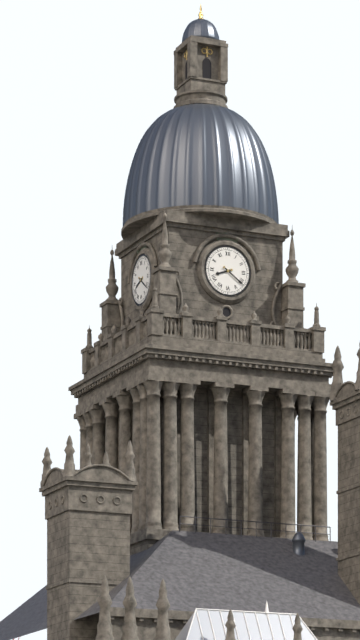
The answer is 8:21
